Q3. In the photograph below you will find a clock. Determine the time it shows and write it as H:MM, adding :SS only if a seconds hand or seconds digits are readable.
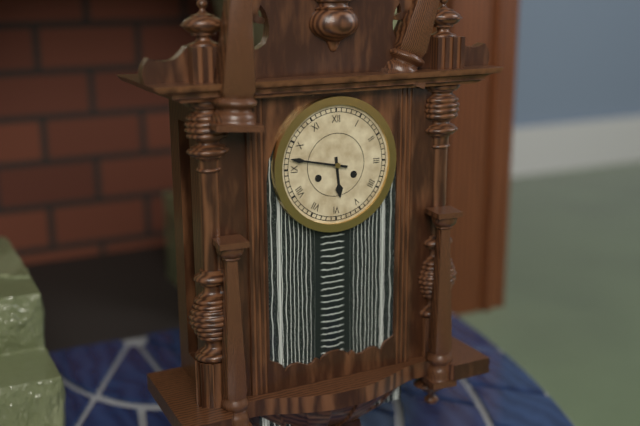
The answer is 5:47
